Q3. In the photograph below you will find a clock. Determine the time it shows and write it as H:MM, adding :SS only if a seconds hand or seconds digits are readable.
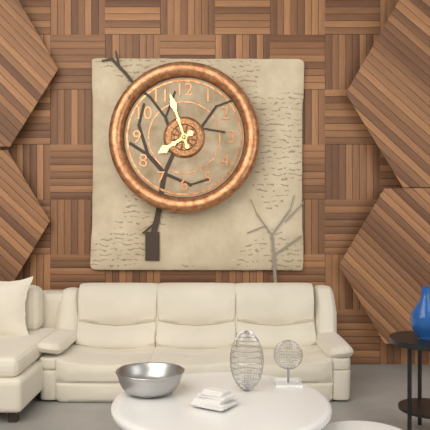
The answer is 7:57
